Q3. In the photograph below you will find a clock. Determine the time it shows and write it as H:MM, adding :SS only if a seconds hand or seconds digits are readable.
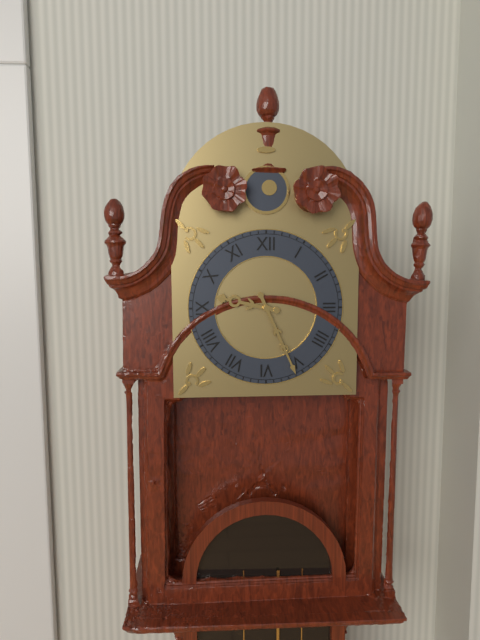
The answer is 9:26
